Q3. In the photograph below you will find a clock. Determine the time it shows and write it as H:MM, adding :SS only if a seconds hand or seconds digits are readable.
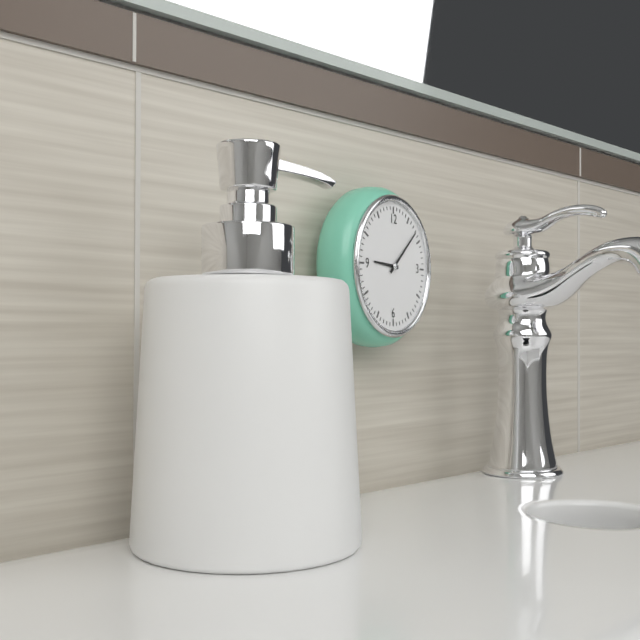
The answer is 9:08
